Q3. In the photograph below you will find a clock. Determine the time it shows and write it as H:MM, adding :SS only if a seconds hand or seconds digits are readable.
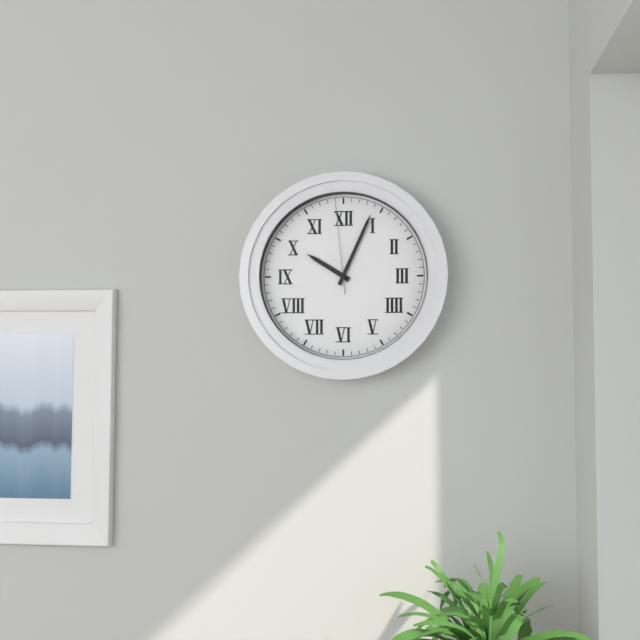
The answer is 10:04:59
